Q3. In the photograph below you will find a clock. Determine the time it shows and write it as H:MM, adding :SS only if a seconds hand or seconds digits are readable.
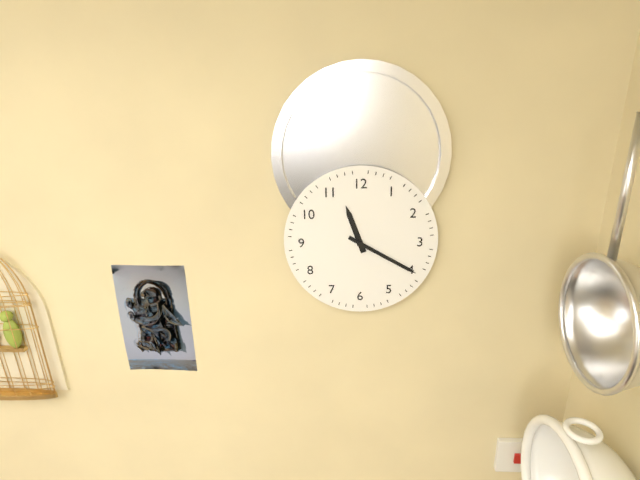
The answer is 11:20
